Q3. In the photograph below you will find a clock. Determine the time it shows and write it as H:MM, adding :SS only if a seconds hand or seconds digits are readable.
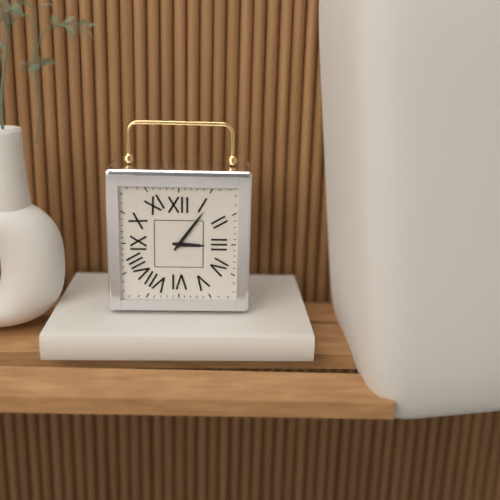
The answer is 3:06
